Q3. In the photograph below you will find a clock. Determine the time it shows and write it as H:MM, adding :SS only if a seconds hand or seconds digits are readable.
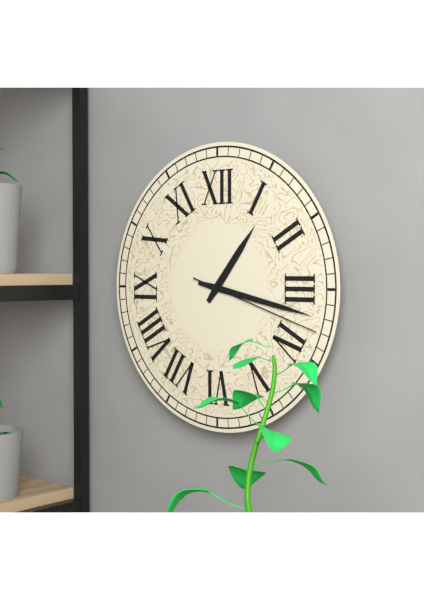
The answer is 1:17:18
